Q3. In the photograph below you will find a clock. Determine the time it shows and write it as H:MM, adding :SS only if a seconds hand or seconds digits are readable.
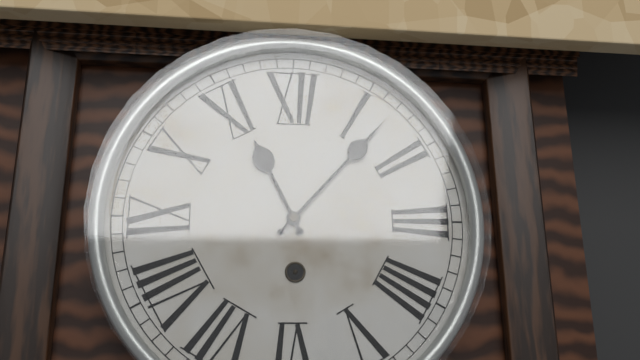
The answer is 11:07
